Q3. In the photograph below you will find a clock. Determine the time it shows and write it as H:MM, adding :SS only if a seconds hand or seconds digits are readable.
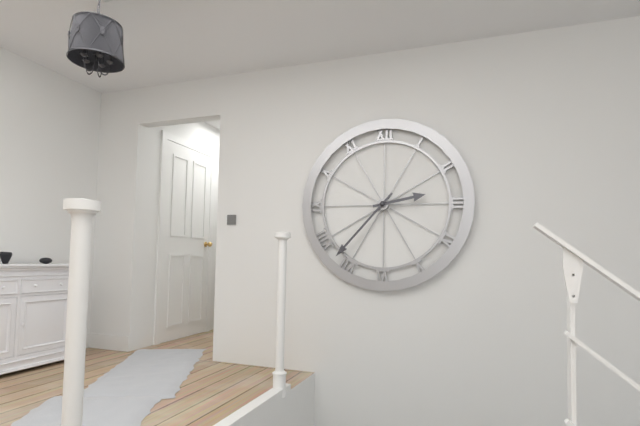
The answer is 2:37
